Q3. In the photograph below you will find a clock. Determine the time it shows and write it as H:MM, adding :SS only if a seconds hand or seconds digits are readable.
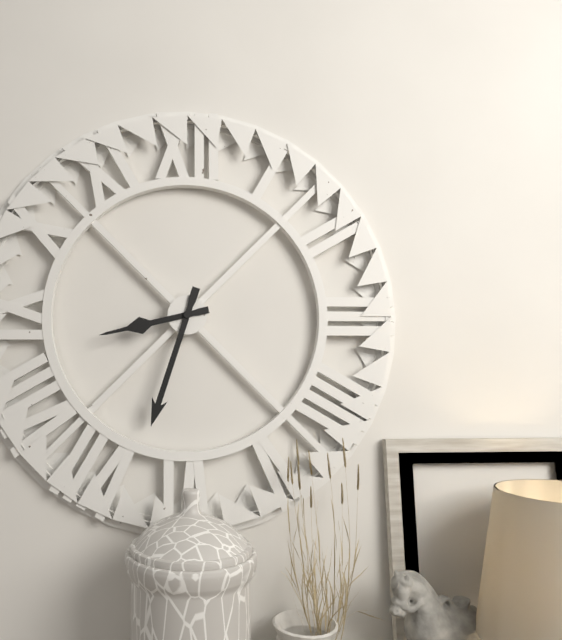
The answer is 8:33
